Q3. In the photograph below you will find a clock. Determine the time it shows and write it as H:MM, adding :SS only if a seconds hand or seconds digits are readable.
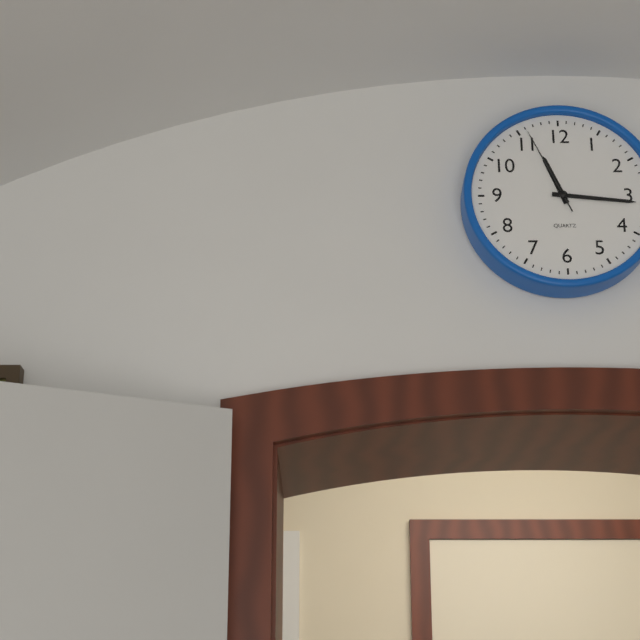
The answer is 11:16:56
